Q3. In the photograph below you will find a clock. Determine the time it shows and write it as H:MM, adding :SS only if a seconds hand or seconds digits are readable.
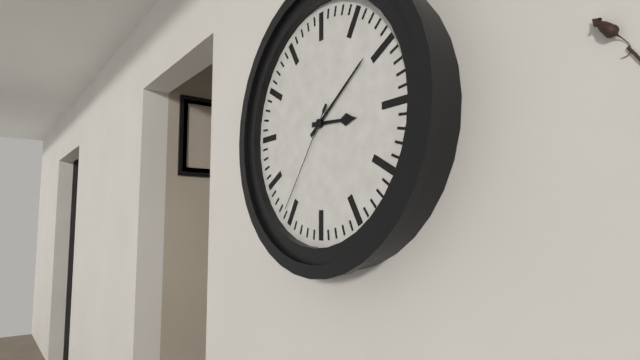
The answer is 3:09:36
